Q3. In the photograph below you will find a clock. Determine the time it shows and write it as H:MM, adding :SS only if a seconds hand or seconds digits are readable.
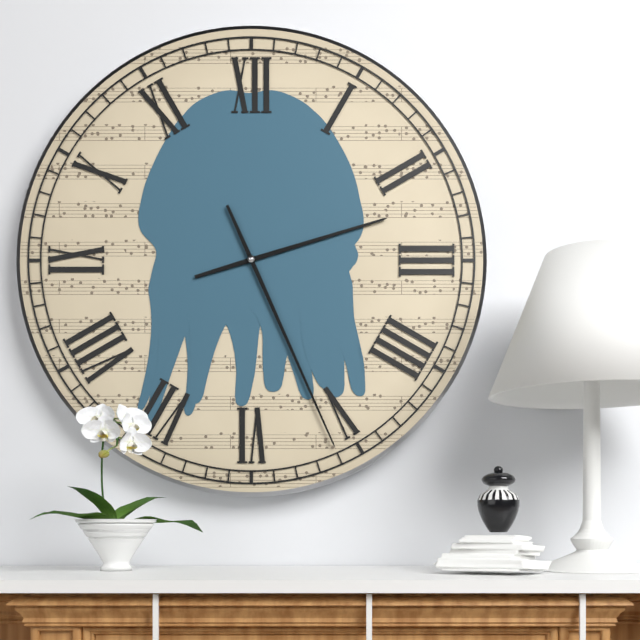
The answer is 2:26
